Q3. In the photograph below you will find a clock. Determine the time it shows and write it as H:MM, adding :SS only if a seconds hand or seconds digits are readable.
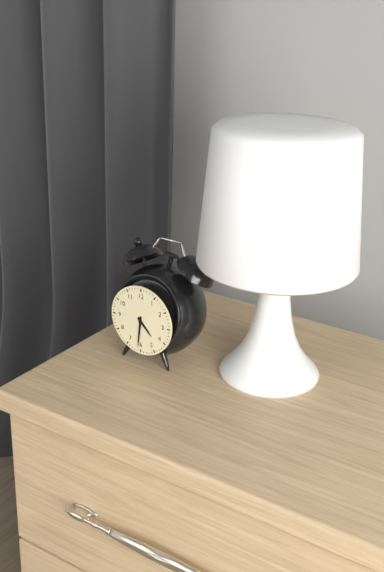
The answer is 4:31
